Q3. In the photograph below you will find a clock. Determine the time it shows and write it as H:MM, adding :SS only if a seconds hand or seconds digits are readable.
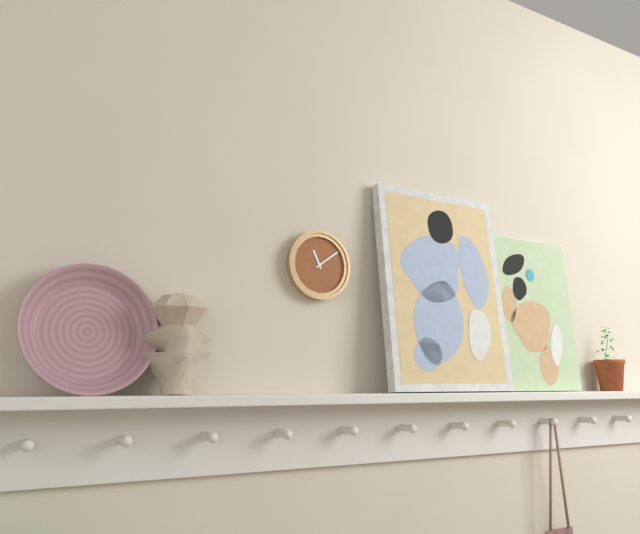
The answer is 11:09
